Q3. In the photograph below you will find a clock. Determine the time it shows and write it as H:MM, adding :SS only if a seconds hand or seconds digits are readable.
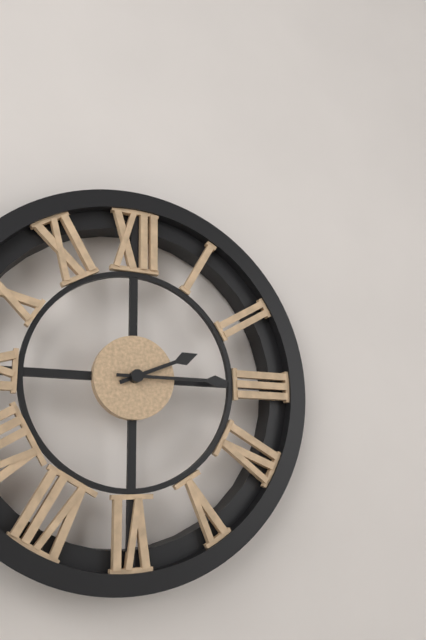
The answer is 2:15
